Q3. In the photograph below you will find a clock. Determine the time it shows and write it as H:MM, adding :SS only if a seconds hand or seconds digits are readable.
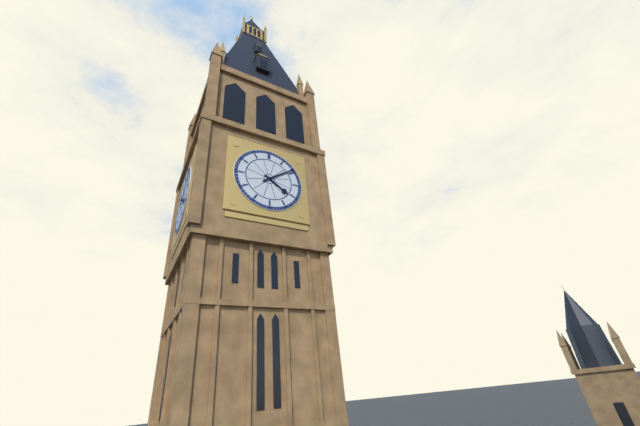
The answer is 4:09
